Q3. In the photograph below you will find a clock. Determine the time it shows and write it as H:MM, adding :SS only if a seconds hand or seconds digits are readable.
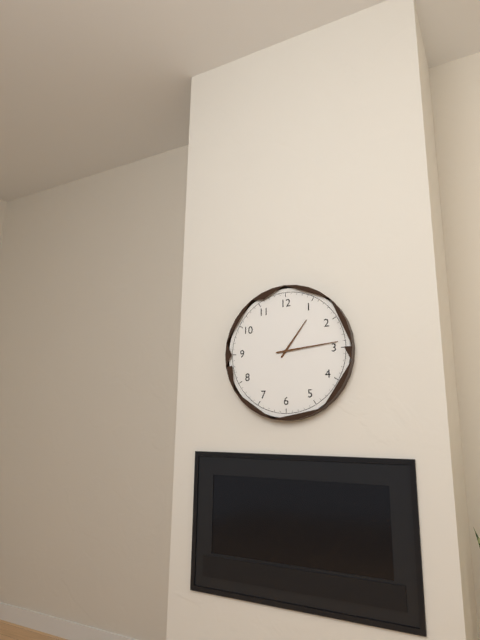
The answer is 1:14
